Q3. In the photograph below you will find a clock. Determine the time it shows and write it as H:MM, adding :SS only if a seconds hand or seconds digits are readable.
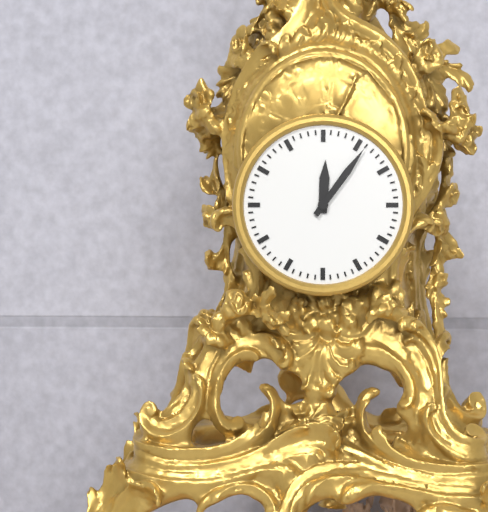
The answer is 12:06
